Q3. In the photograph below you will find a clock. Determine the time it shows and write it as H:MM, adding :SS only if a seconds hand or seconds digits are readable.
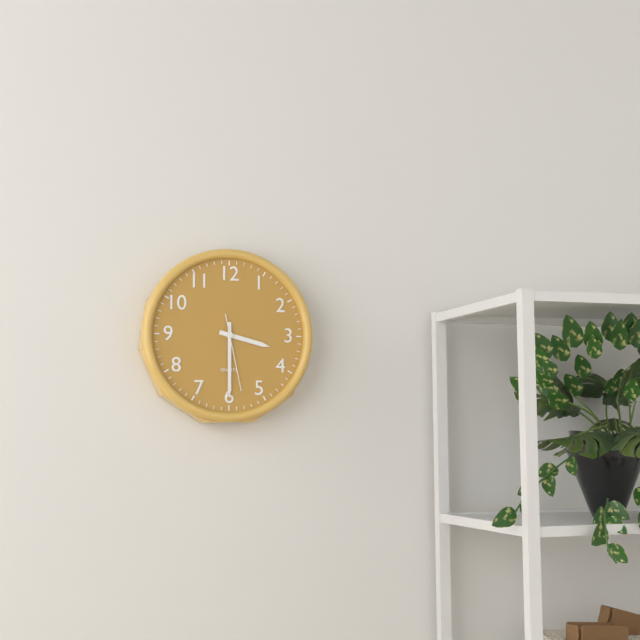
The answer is 3:30:28
